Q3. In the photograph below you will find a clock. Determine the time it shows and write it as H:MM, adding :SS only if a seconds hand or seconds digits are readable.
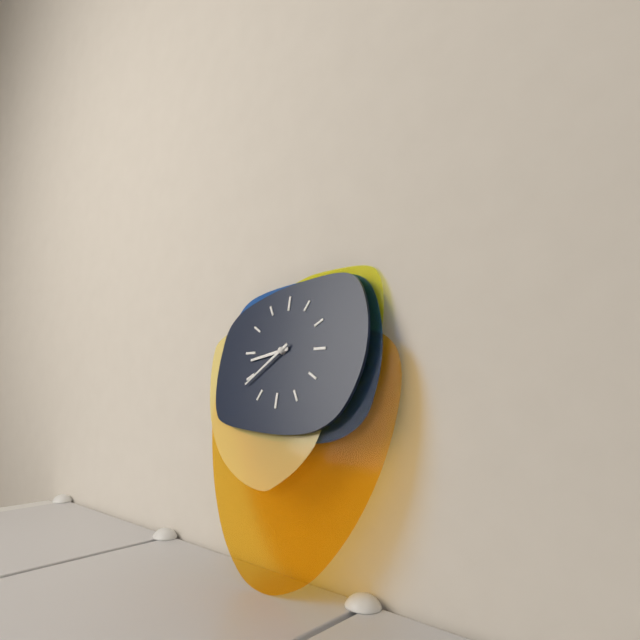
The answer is 8:39
